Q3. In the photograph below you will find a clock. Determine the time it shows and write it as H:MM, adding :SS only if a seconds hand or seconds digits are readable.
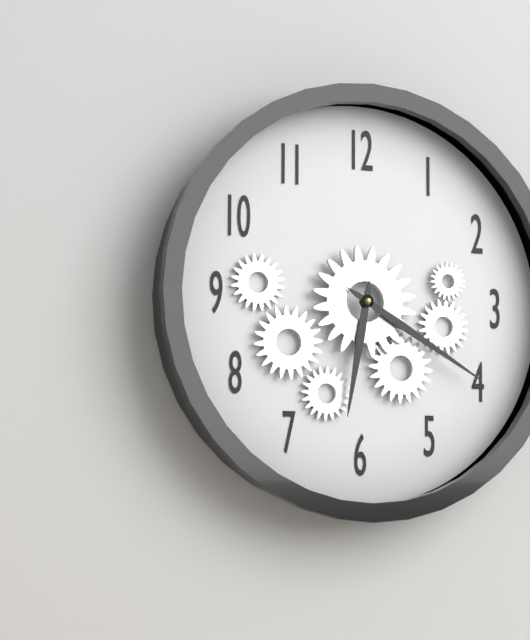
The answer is 6:20
